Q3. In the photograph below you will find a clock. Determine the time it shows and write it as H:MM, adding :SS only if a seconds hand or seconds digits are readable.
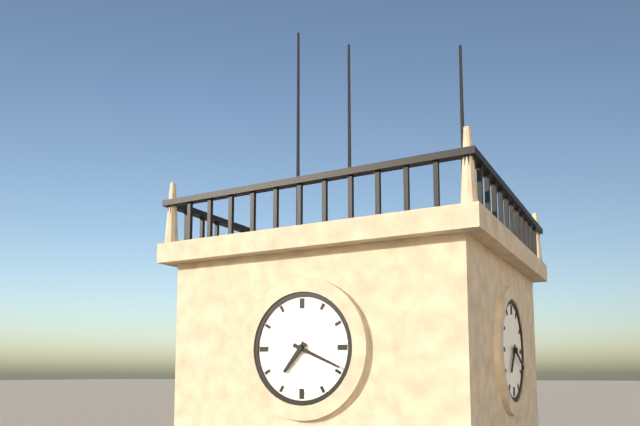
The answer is 7:19
